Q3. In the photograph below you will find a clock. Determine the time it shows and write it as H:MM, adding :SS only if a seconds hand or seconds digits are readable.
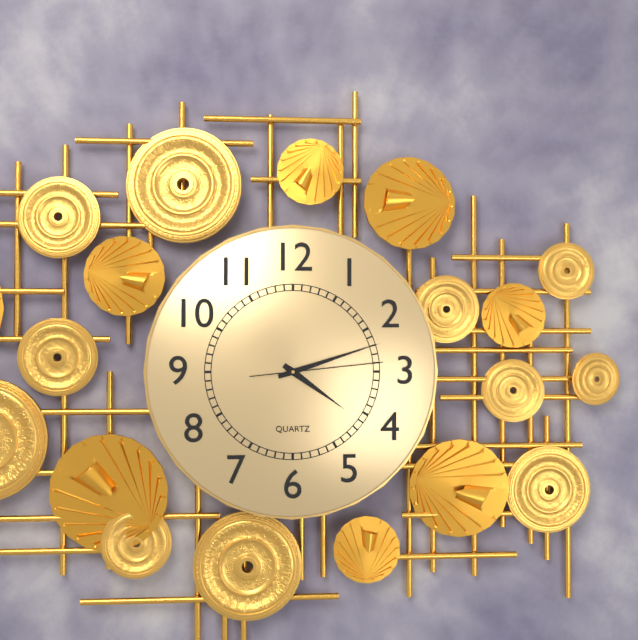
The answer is 4:12:14
